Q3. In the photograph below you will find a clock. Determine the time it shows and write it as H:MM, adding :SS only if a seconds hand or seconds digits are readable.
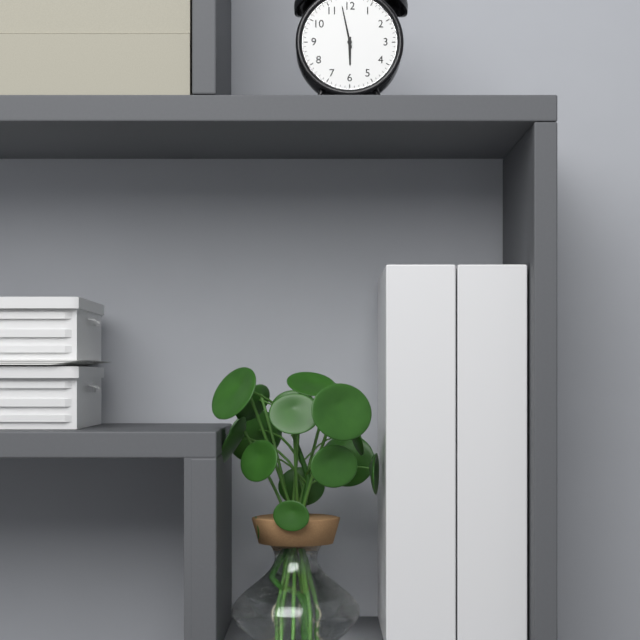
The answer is 5:58
